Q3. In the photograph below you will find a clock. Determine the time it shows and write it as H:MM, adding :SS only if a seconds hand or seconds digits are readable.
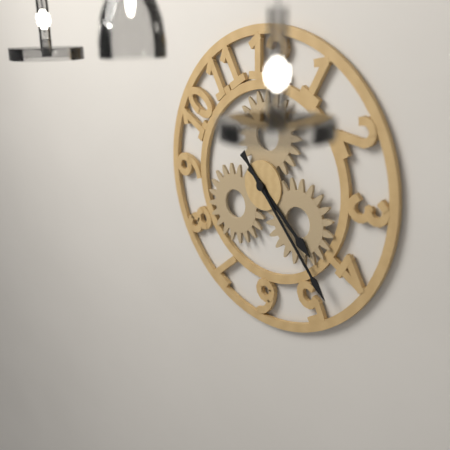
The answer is 4:23
